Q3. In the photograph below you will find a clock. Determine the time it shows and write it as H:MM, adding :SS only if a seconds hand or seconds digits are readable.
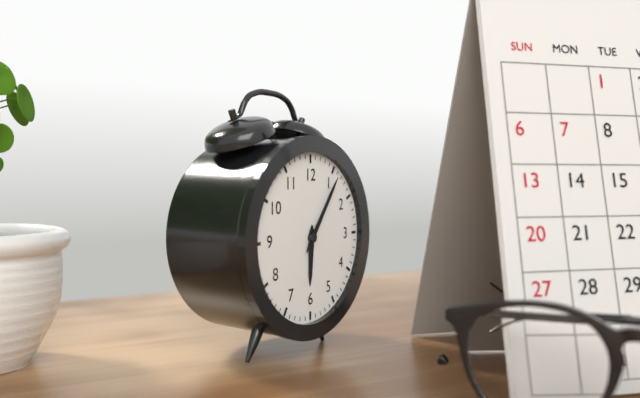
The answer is 6:06
